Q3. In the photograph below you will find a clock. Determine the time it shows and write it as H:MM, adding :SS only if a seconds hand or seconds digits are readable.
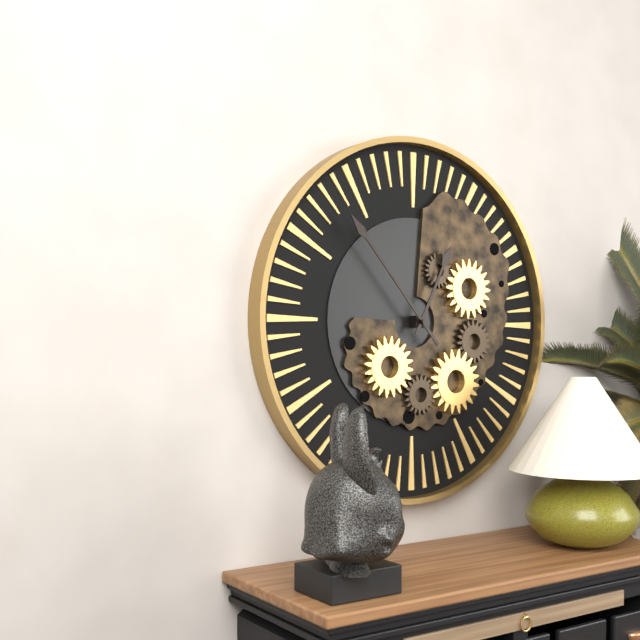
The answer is 12:53
